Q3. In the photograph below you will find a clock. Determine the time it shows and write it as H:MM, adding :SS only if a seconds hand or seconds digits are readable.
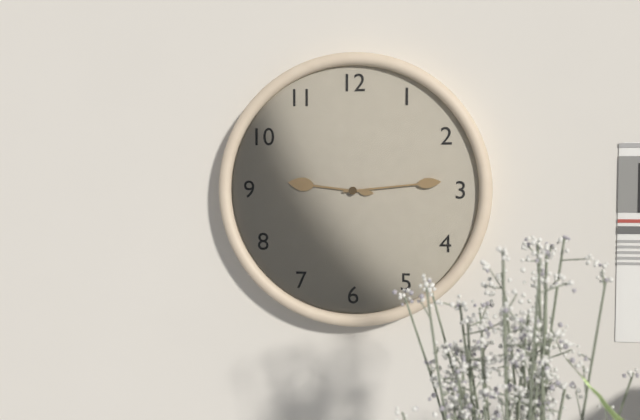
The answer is 9:14
